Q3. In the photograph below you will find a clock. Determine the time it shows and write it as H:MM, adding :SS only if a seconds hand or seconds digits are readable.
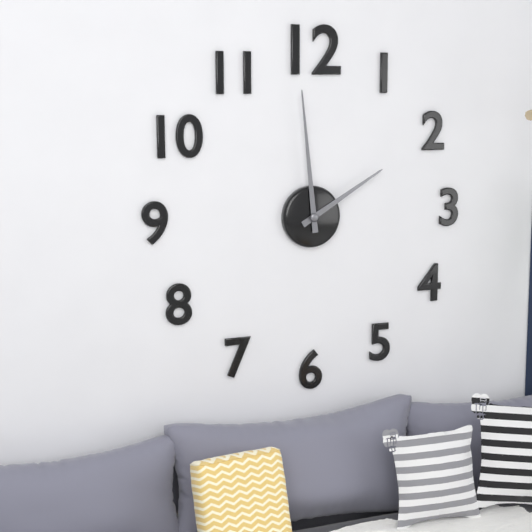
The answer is 1:59
